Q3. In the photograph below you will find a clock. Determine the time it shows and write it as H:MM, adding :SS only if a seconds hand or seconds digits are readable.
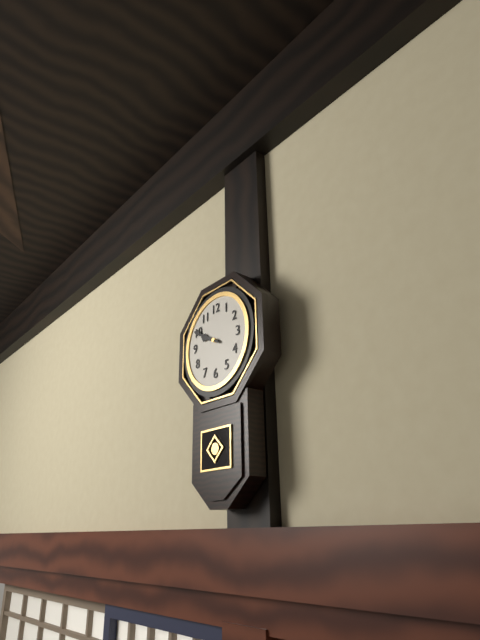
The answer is 9:50
